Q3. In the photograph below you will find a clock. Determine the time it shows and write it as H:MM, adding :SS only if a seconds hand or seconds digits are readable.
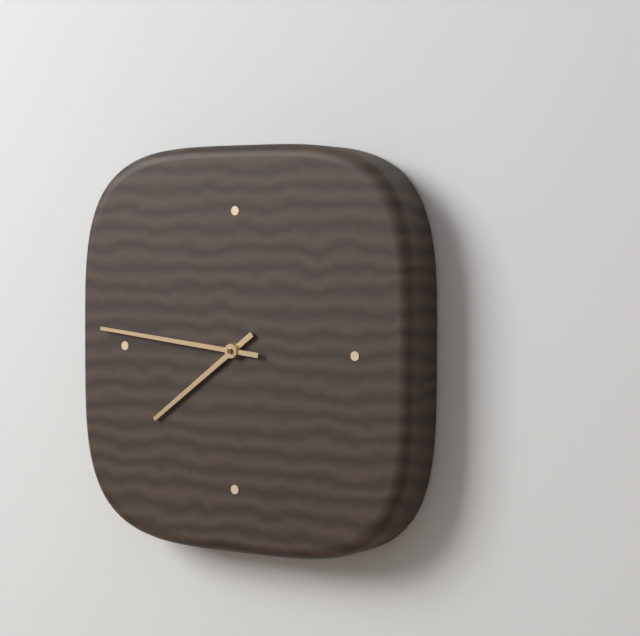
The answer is 7:46
